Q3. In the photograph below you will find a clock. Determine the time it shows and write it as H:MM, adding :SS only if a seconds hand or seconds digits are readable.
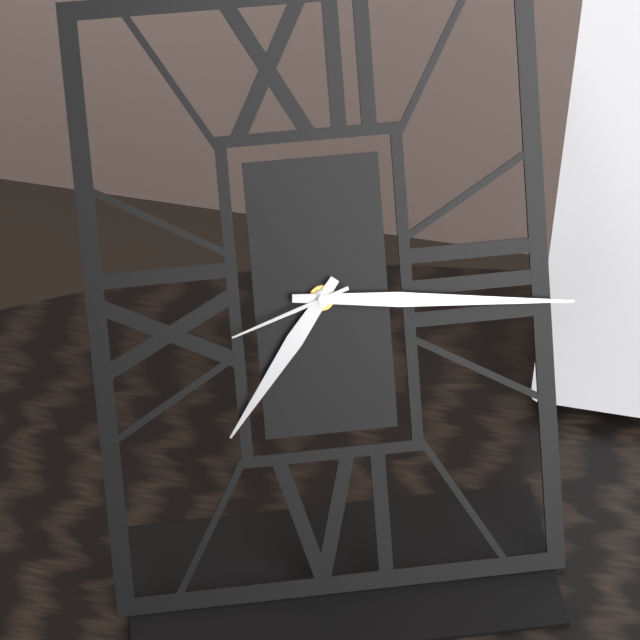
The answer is 7:16:42
